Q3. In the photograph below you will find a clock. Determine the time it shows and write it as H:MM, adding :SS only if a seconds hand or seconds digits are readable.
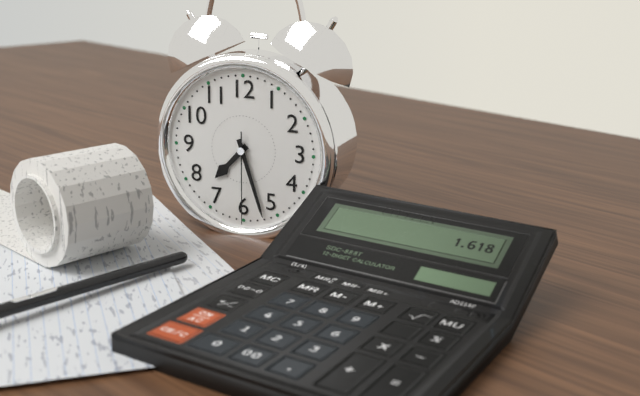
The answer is 7:27:30
